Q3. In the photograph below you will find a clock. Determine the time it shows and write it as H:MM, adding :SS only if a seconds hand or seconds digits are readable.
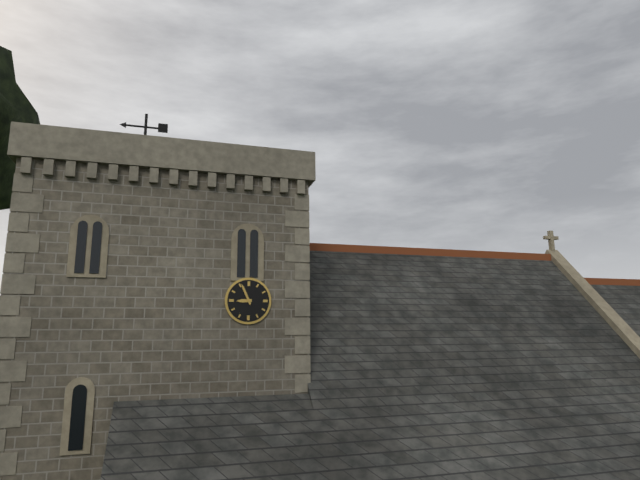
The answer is 8:56
